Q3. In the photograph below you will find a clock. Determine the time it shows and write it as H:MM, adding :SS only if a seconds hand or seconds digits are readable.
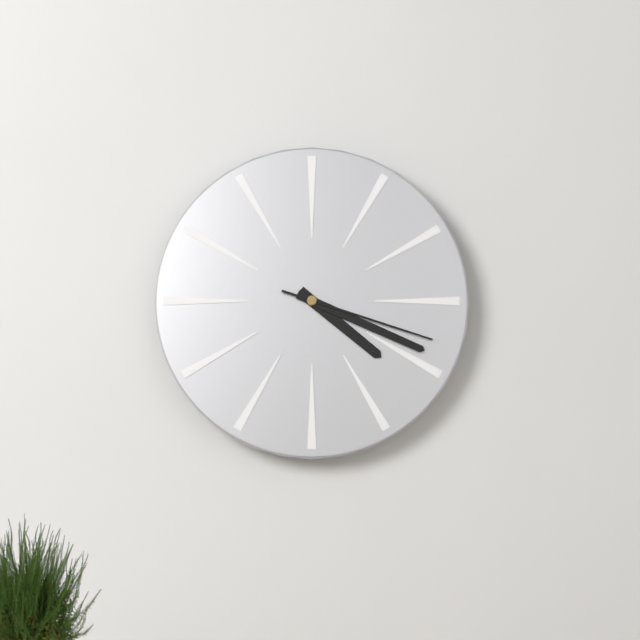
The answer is 4:19:18
